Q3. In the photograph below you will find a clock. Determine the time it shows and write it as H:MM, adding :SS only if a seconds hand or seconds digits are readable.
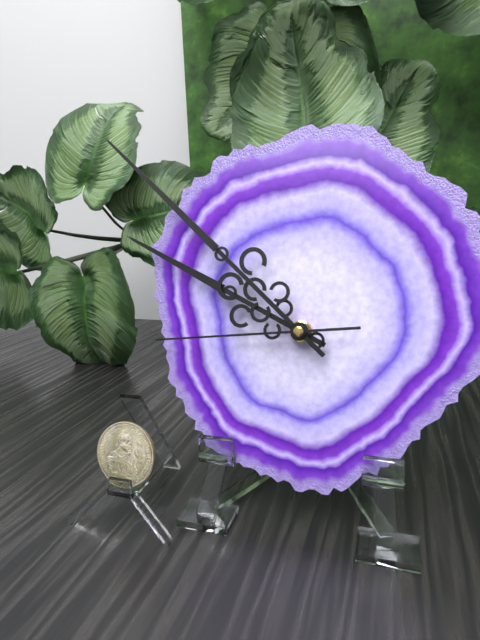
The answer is 9:52:44
